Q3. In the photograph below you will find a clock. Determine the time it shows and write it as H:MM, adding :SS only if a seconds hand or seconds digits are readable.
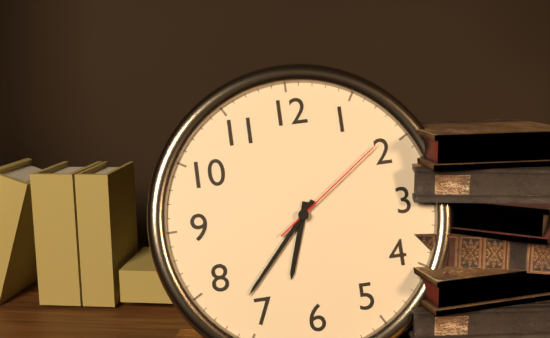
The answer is 6:37:09
